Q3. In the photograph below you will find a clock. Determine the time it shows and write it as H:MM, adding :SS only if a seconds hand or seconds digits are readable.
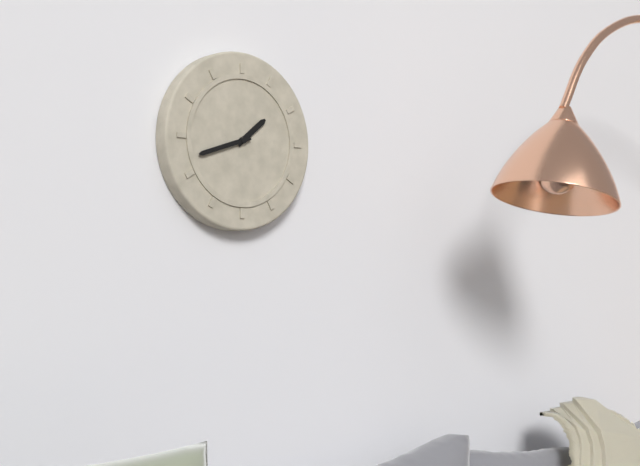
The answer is 1:42
